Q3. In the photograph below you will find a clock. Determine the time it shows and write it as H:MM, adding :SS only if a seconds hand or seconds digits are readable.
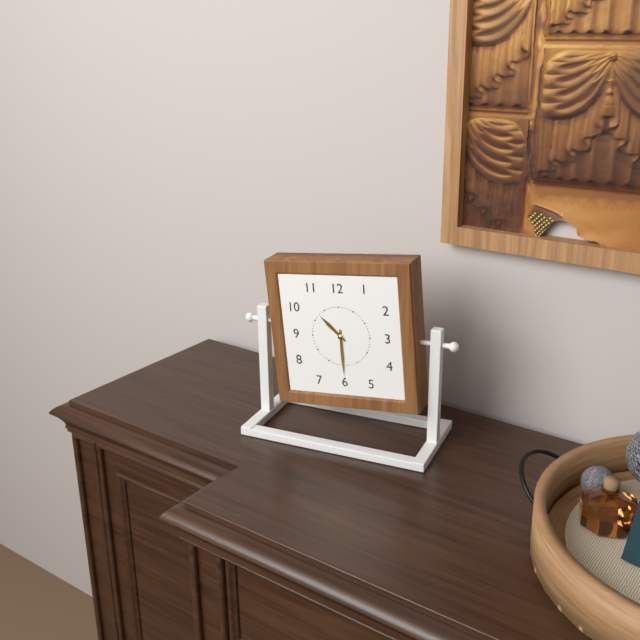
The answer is 10:30
